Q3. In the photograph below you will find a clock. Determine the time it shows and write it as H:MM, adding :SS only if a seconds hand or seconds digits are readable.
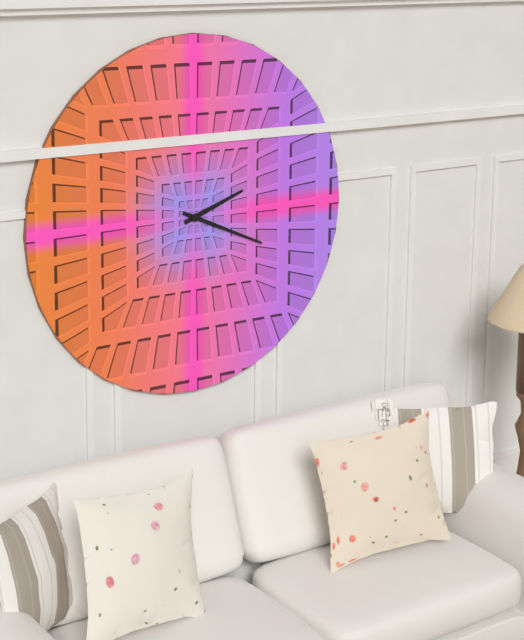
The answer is 2:19
